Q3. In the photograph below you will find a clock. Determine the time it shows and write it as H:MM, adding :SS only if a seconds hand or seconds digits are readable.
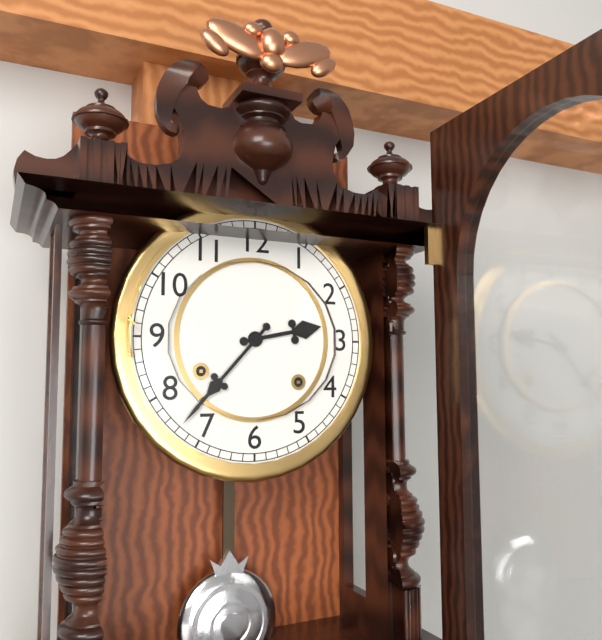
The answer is 2:37
